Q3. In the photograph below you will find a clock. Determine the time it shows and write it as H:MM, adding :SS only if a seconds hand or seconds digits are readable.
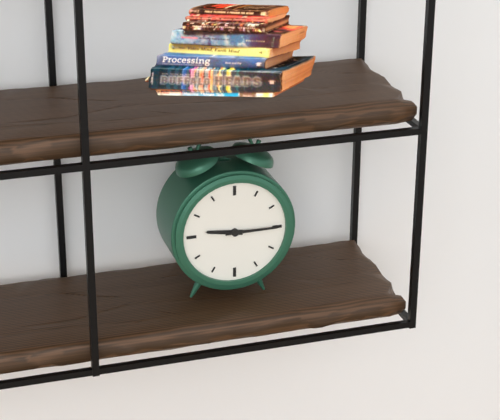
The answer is 9:15
